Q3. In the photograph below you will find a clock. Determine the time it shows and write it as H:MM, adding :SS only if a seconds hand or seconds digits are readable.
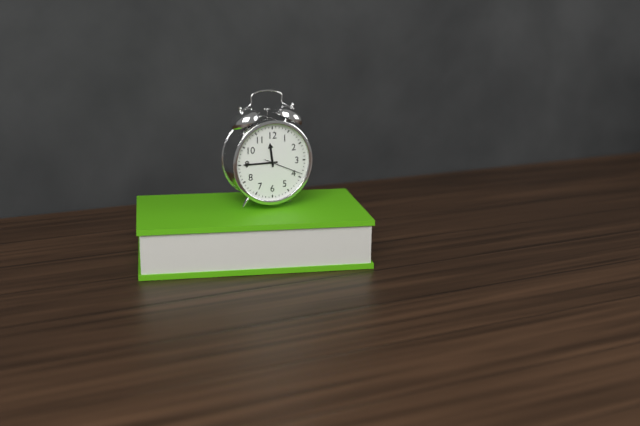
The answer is 11:45
